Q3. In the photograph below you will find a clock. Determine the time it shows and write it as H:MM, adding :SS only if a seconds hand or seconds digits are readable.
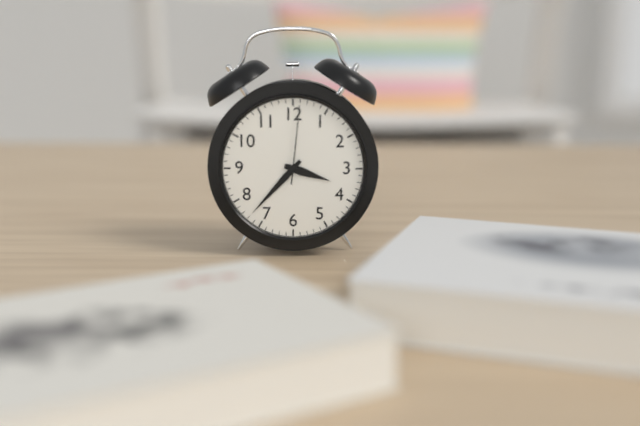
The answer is 3:37:01
